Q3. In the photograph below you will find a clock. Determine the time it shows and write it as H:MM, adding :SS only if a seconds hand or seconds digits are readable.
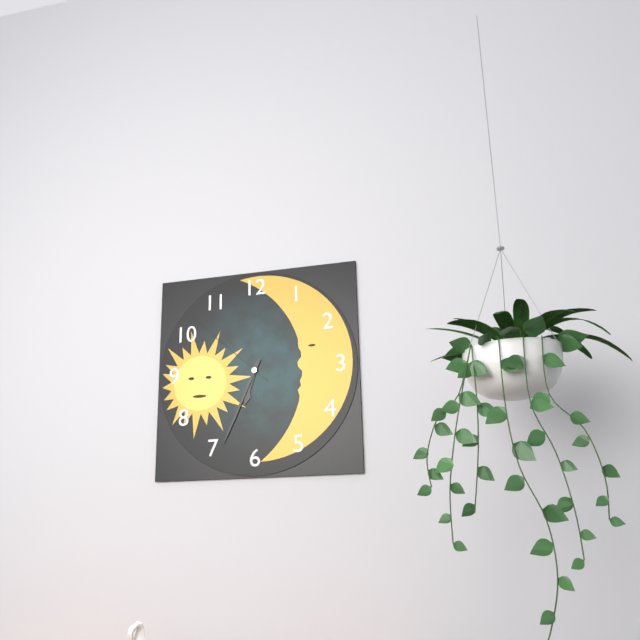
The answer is 6:34:52
